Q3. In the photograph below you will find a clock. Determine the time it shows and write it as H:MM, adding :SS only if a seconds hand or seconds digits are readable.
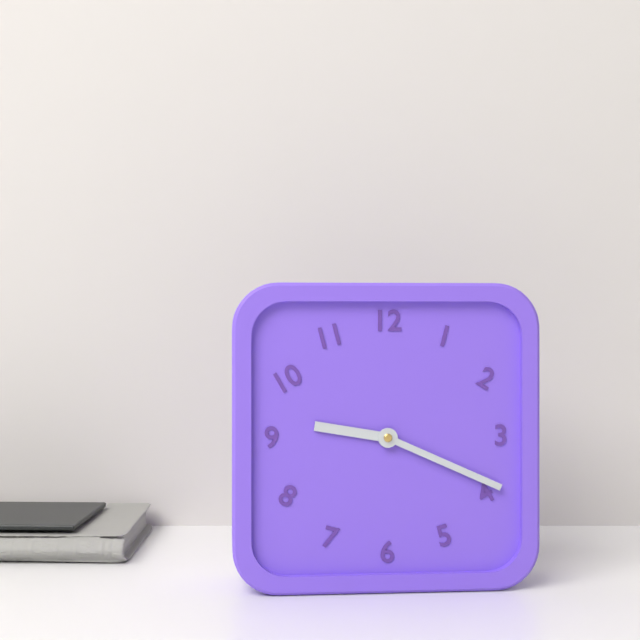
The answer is 9:19
